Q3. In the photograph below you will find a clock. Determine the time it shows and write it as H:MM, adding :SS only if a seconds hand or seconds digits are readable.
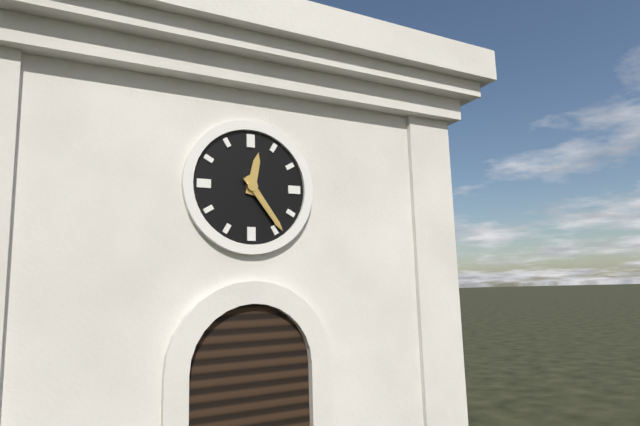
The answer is 12:24
